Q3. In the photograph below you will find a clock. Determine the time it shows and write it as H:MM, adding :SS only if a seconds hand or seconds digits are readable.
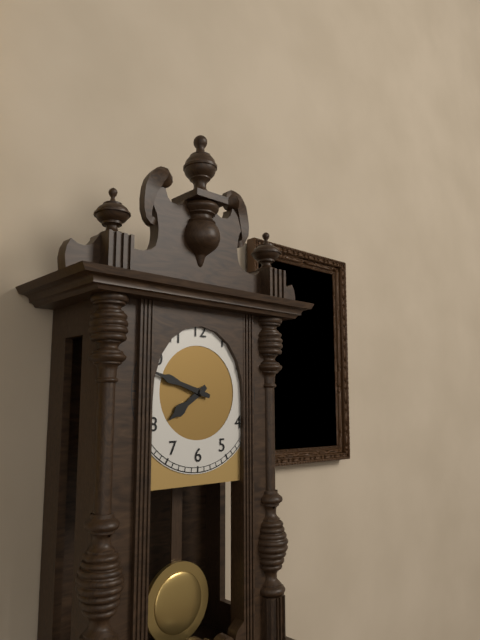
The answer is 7:48
